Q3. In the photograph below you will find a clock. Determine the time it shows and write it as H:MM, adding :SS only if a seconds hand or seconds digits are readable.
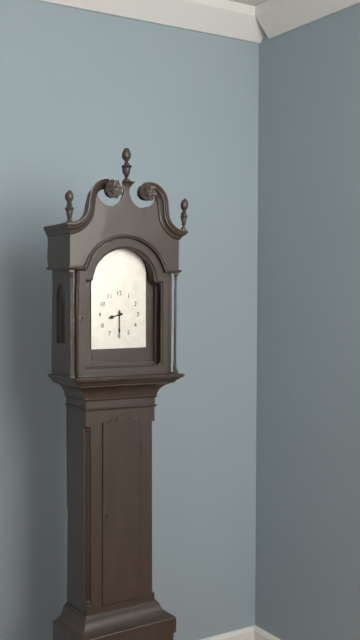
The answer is 8:30
